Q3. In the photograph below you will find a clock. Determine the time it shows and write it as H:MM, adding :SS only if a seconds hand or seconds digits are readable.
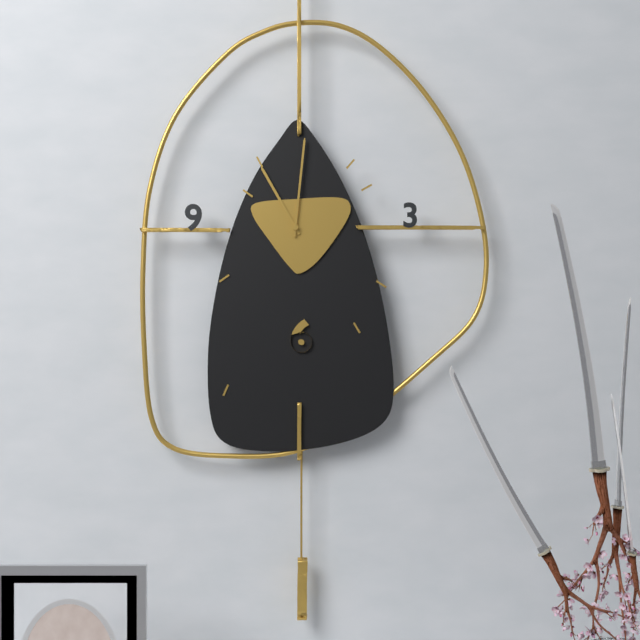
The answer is 11:01
